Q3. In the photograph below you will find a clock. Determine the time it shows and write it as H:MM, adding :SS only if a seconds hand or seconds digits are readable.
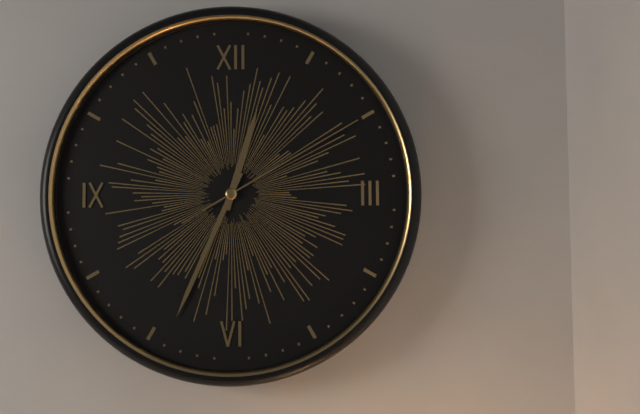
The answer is 12:34:10
